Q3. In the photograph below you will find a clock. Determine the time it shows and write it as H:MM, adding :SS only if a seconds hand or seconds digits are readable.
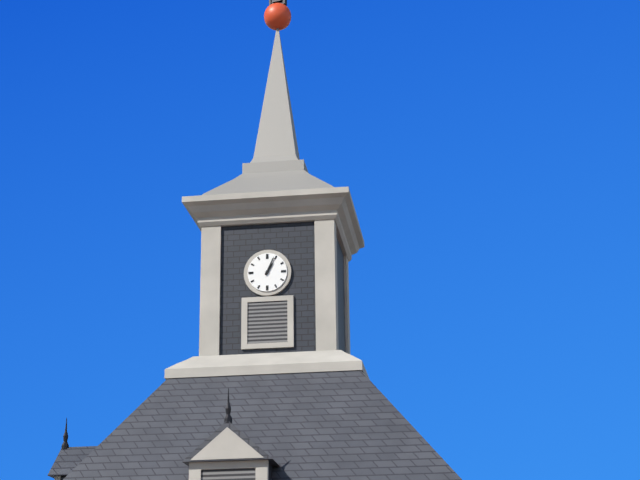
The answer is 1:04
